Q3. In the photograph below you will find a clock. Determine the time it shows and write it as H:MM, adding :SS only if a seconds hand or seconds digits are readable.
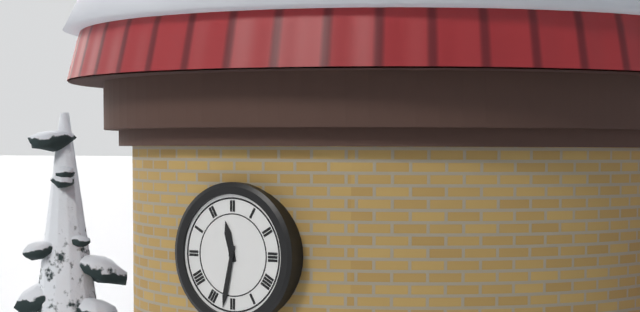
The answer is 11:32
